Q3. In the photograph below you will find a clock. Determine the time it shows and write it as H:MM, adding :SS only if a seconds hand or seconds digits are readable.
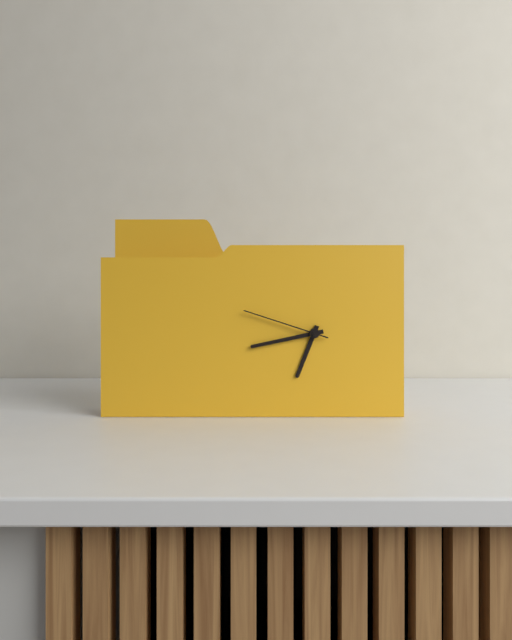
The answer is 6:43:48
